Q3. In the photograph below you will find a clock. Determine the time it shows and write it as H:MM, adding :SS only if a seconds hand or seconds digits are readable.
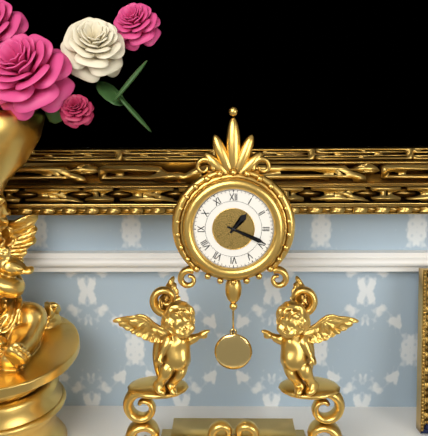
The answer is 1:19
